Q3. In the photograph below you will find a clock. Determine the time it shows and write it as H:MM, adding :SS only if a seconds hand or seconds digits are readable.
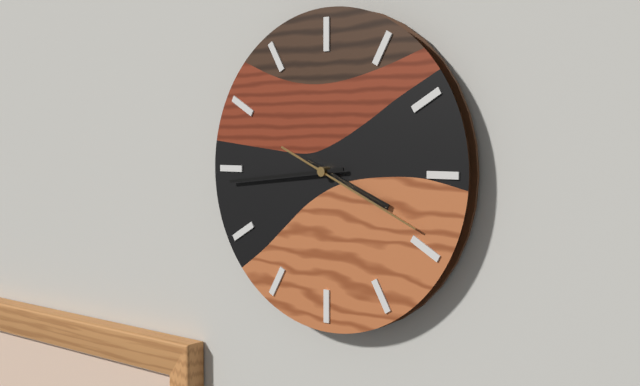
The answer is 3:44:19
